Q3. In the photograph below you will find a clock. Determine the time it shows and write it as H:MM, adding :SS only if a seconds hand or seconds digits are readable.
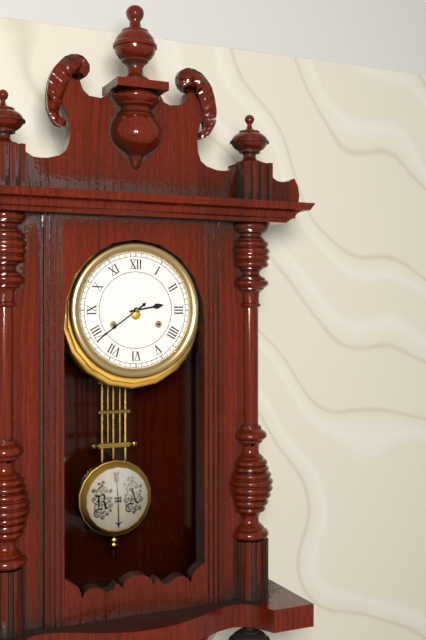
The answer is 2:39
